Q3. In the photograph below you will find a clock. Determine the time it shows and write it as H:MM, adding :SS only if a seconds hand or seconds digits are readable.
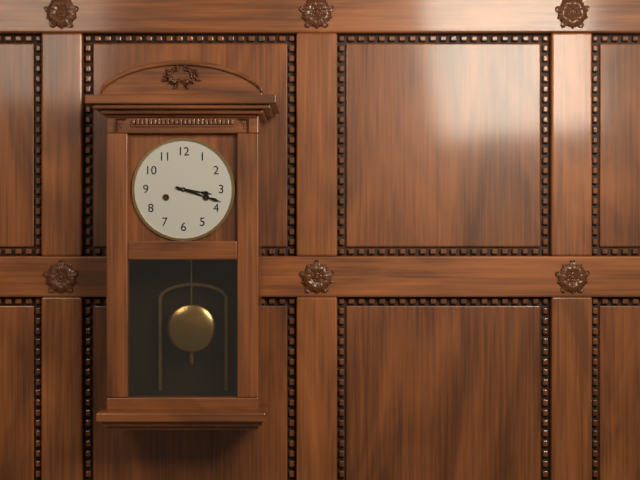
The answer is 3:18
